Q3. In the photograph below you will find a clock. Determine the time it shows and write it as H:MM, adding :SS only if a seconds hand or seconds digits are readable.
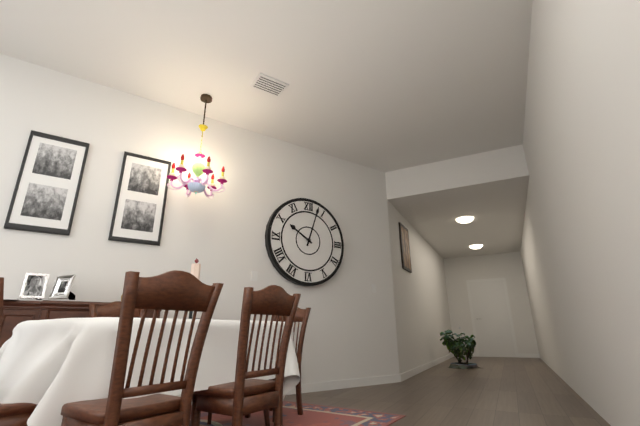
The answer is 10:03
